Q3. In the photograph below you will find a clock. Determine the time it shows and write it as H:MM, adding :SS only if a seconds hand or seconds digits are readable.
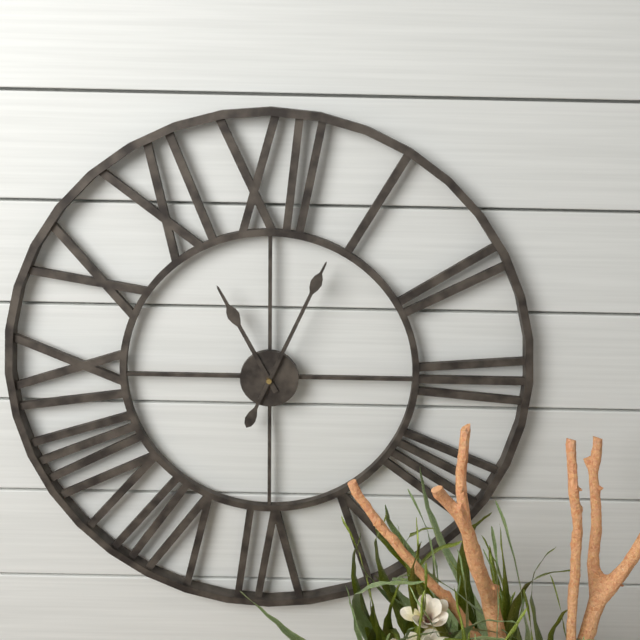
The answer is 11:04
